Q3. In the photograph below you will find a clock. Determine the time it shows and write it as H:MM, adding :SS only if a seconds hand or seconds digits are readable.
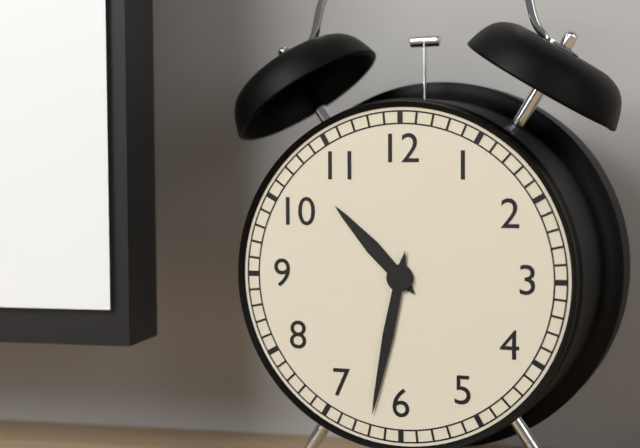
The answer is 10:32
